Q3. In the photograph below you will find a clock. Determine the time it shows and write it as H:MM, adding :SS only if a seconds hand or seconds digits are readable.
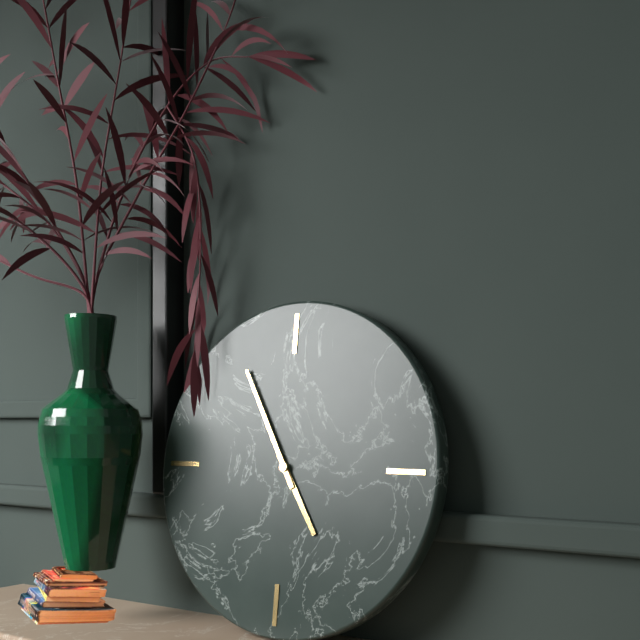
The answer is 4:55
